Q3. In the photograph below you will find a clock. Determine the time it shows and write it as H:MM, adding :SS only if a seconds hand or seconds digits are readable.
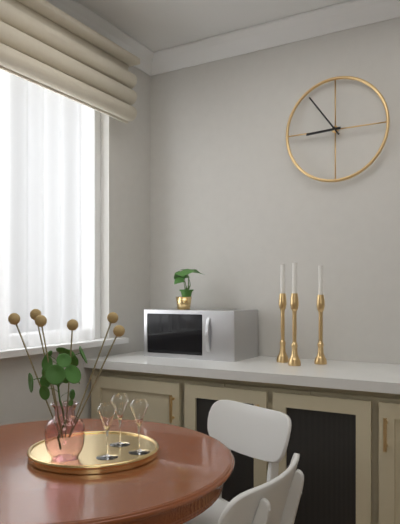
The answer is 8:54
